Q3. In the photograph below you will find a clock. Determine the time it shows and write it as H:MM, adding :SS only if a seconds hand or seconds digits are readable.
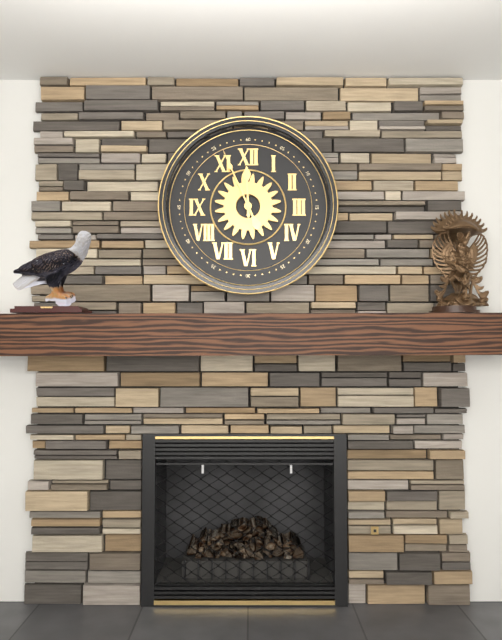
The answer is 11:56
